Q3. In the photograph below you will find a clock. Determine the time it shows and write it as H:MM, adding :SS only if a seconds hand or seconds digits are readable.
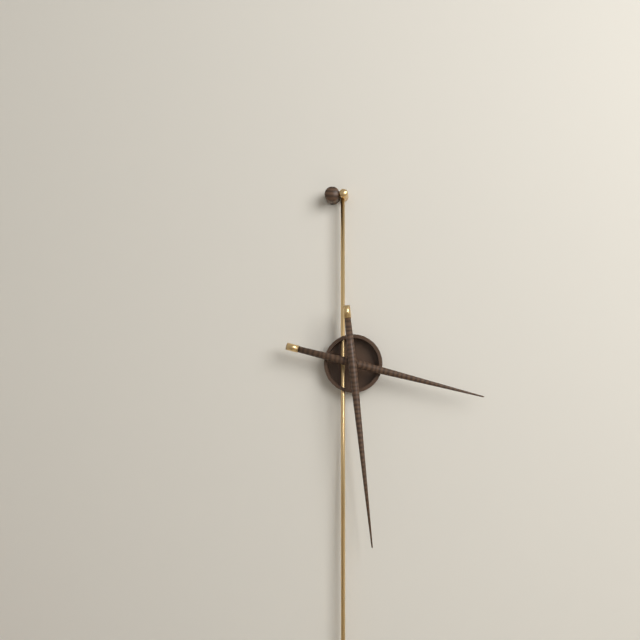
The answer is 3:29
